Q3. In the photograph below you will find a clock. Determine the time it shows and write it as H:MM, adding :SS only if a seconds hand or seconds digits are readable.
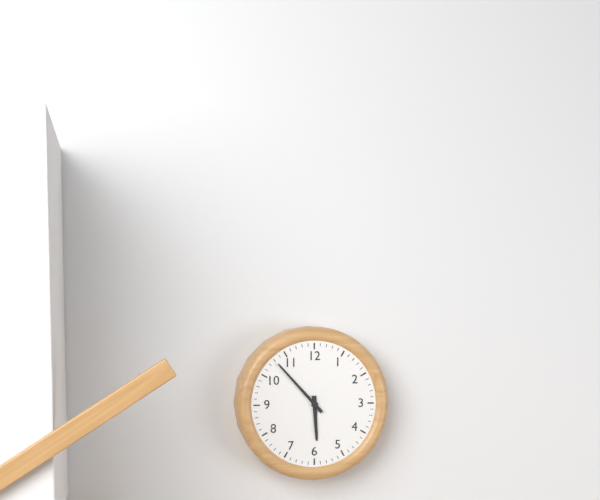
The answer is 5:53
